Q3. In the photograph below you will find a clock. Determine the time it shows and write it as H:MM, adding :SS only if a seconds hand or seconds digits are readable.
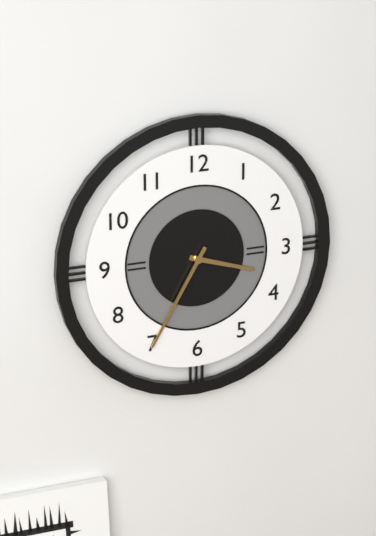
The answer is 3:35
